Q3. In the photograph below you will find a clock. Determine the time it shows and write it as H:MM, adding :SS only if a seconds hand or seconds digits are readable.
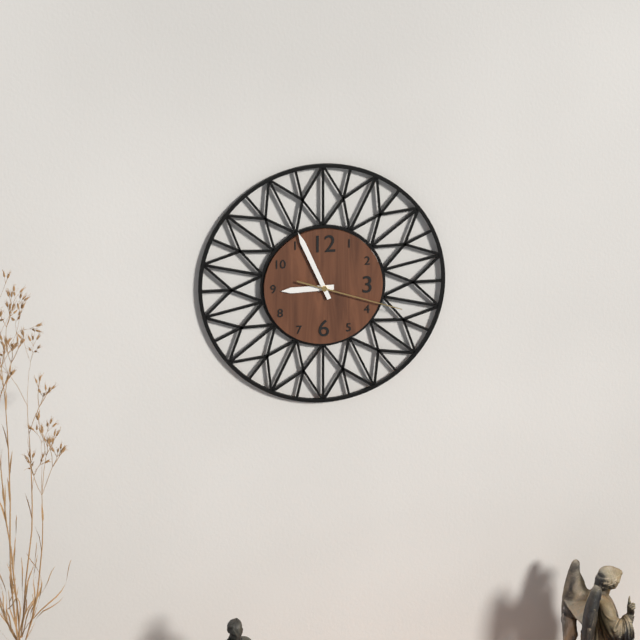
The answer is 8:56:18
